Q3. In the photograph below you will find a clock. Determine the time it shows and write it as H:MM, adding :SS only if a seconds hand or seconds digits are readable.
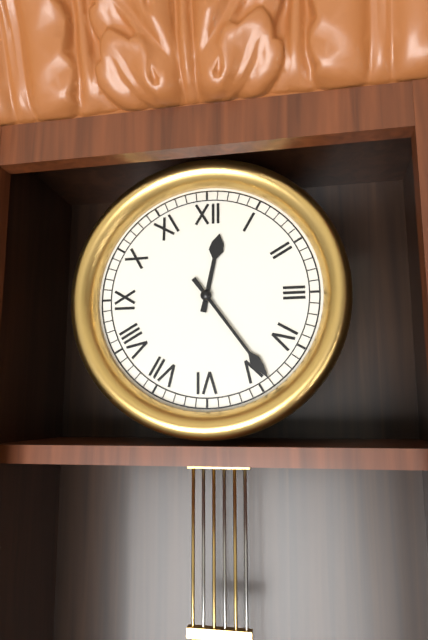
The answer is 12:24
